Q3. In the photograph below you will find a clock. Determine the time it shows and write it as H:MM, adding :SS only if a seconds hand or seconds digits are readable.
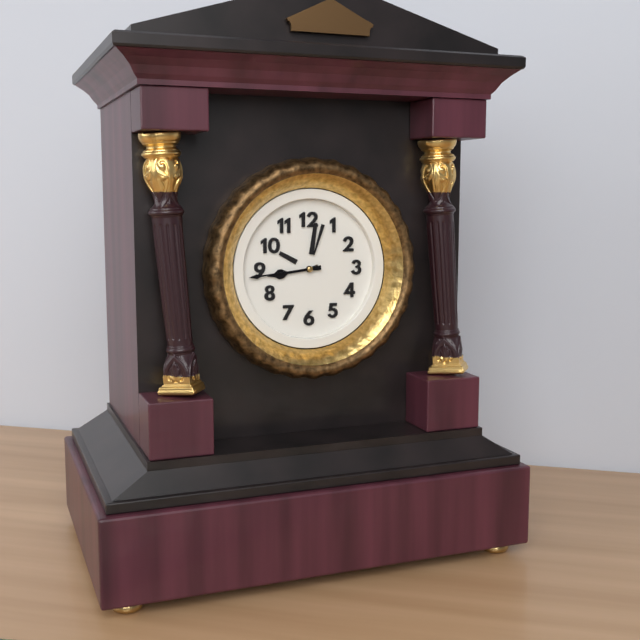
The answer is 8:44
